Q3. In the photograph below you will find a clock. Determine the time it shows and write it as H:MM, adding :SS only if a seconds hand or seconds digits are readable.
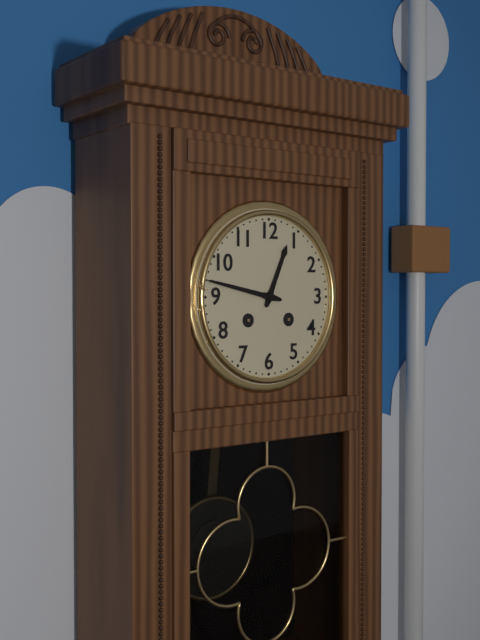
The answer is 12:47
